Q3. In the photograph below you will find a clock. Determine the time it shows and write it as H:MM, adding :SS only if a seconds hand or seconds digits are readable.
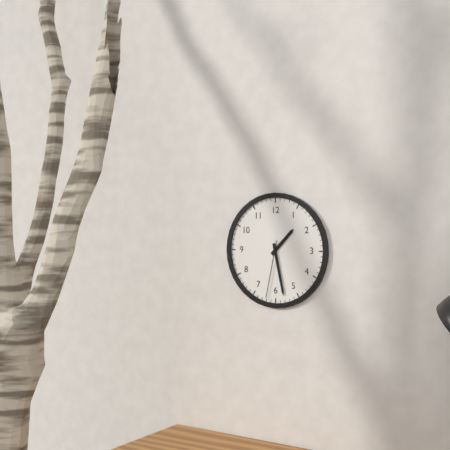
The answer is 1:28:32
